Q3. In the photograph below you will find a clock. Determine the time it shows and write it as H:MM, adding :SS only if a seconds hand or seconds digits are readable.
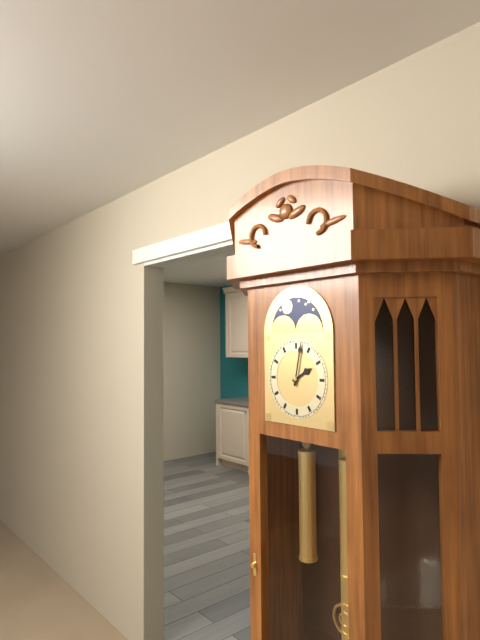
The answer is 2:02
